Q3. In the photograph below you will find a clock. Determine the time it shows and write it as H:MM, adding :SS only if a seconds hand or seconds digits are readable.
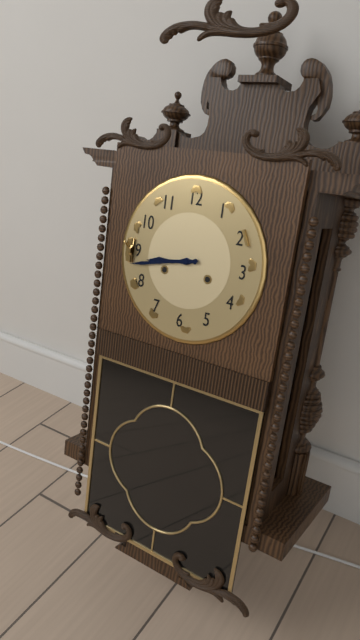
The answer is 8:43
